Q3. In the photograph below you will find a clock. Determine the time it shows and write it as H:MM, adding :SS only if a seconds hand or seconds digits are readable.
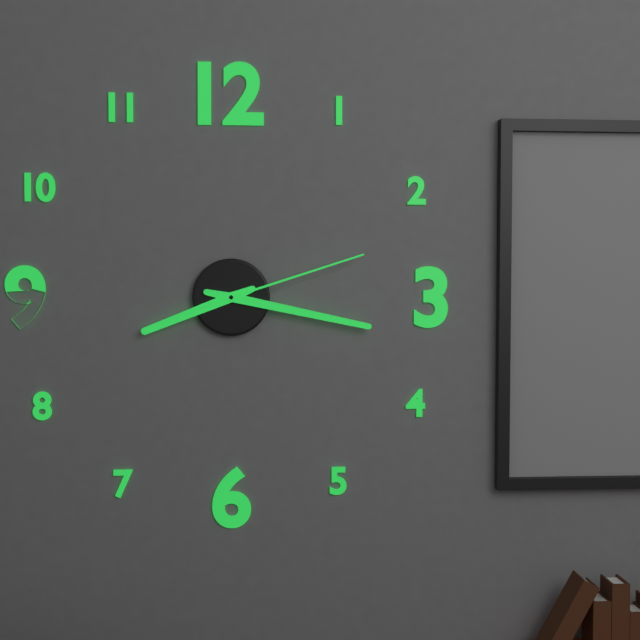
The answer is 8:17:12
